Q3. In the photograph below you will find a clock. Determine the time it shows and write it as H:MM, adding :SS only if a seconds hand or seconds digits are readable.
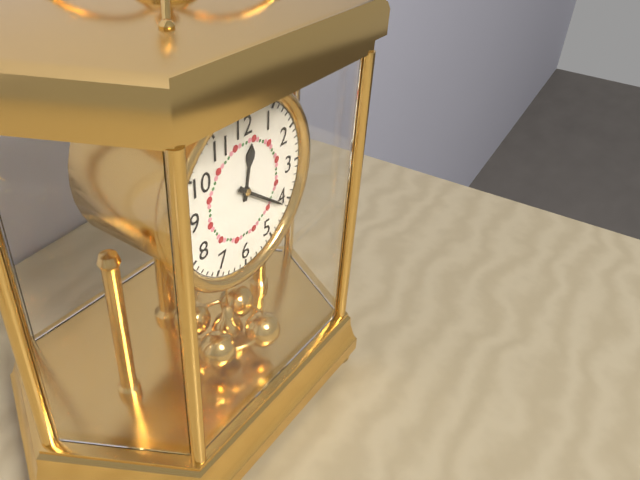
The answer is 12:21
